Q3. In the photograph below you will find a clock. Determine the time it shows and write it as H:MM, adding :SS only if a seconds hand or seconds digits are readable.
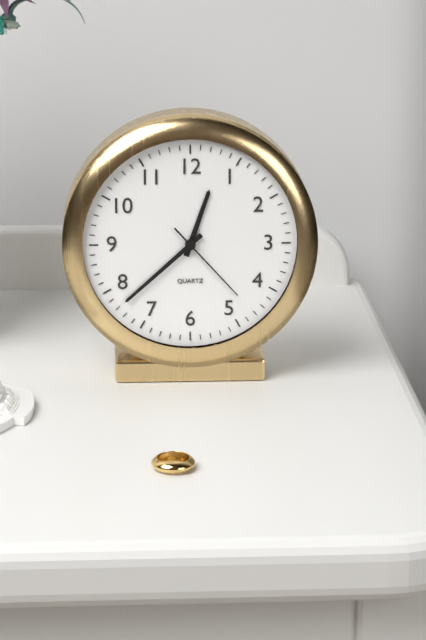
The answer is 12:38:23
